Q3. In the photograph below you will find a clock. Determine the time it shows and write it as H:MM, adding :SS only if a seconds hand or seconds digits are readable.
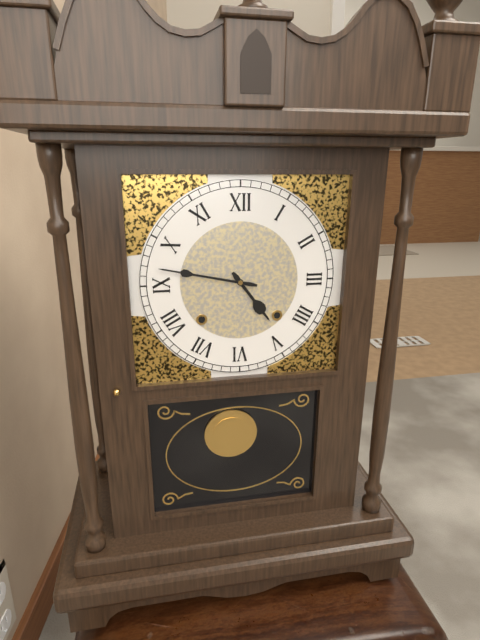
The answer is 4:47
